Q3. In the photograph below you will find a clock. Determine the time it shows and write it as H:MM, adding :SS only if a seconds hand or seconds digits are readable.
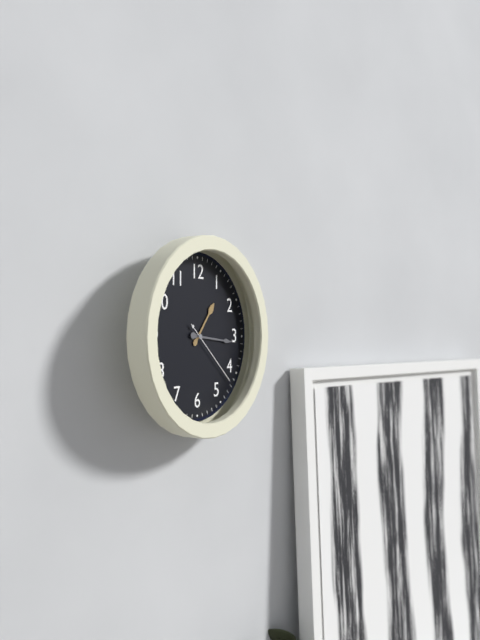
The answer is 1:16:22
